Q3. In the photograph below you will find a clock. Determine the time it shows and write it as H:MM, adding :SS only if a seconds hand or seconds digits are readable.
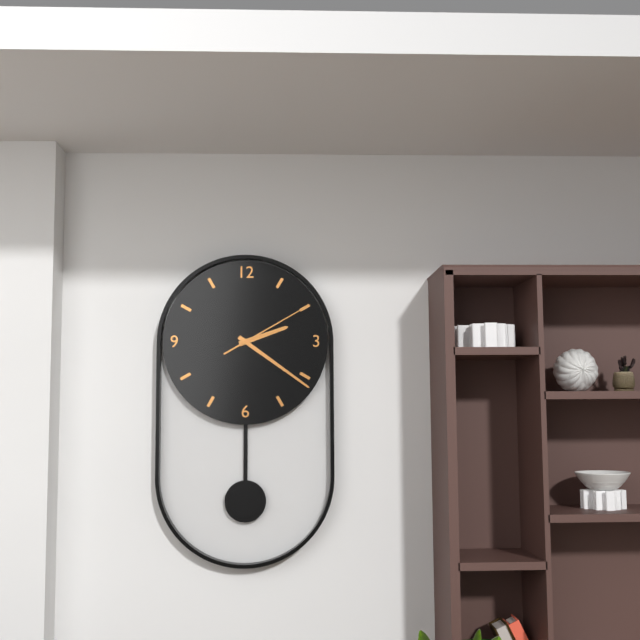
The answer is 2:21:10
